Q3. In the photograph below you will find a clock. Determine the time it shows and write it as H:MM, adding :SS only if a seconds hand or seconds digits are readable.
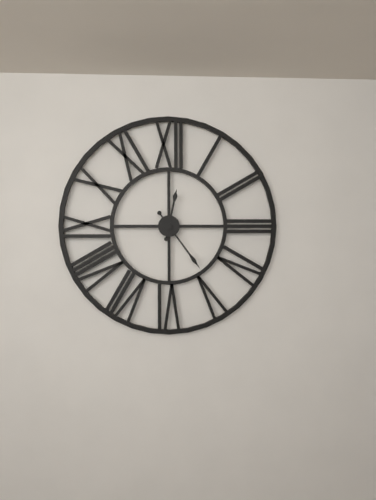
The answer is 12:24
